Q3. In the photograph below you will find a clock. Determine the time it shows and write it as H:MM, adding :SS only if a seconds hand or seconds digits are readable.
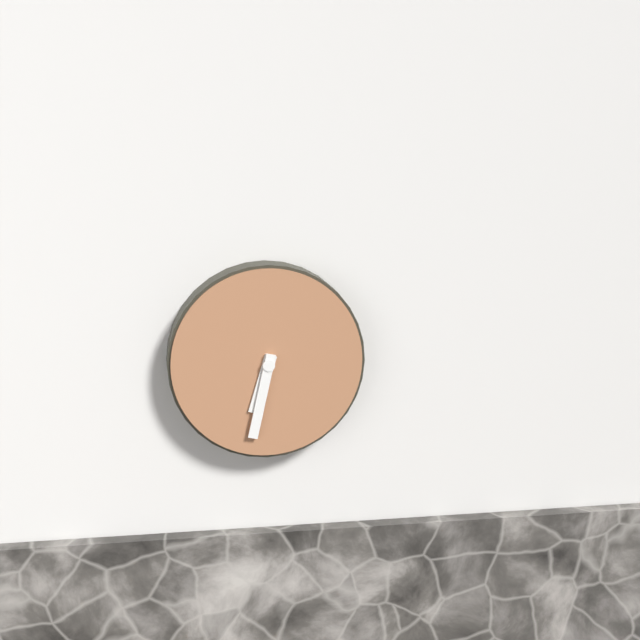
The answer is 6:32
